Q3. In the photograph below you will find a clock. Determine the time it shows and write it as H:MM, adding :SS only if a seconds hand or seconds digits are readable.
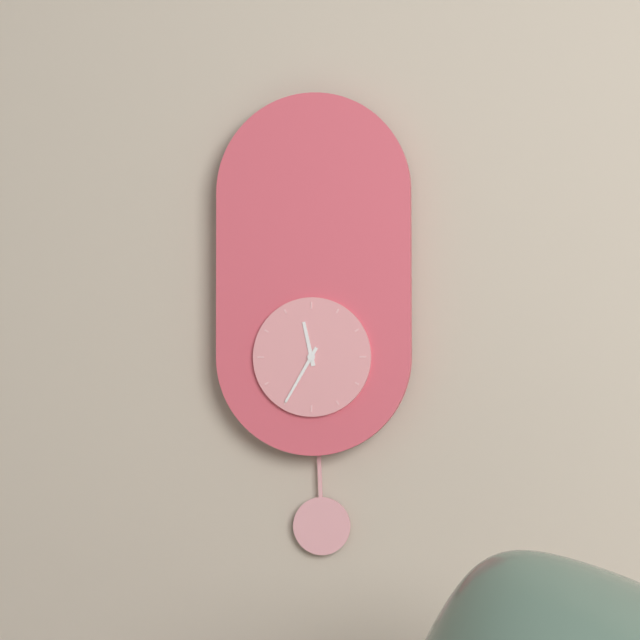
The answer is 11:35
